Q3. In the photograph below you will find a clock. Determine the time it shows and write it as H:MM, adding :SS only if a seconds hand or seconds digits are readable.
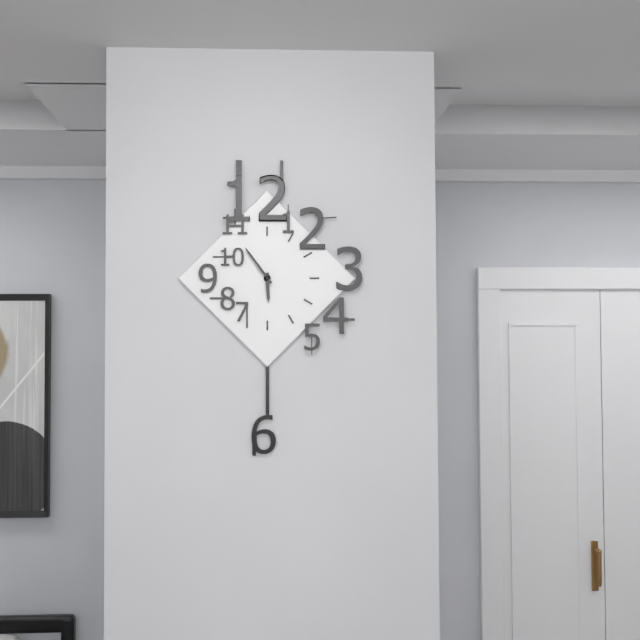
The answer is 5:54
